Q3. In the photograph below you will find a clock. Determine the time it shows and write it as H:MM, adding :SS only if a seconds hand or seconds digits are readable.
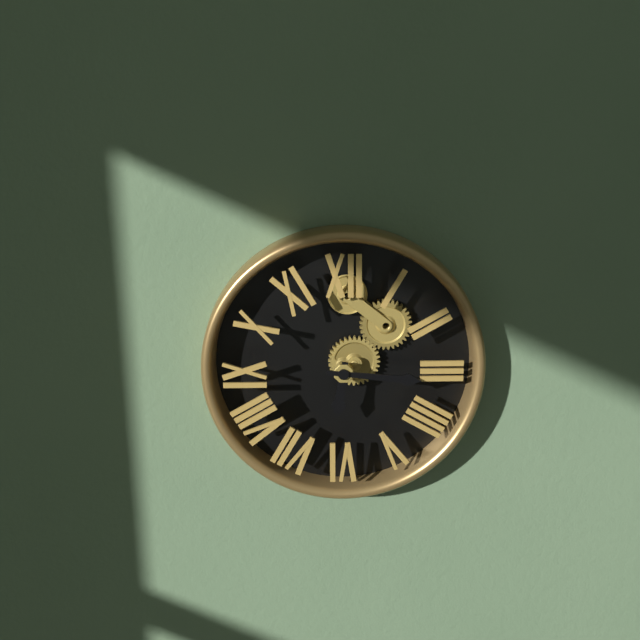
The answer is 6:16
